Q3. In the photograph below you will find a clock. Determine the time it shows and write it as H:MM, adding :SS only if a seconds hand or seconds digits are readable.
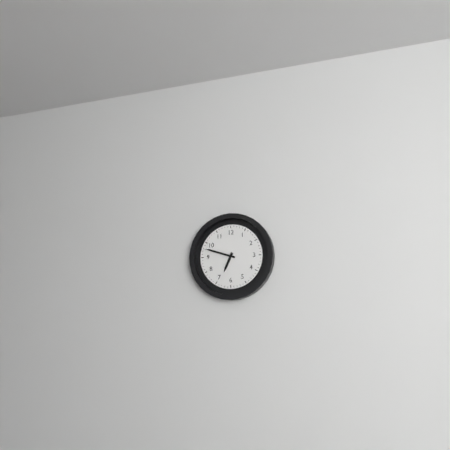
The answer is 6:48
